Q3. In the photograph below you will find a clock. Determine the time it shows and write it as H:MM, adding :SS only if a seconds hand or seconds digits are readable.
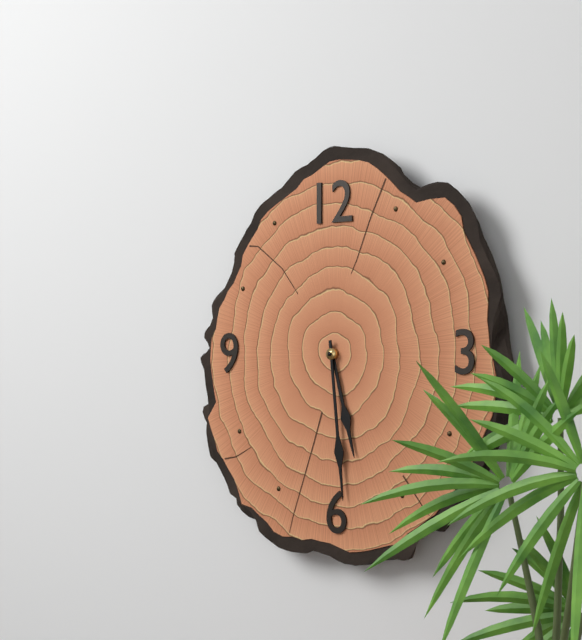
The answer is 5:29
